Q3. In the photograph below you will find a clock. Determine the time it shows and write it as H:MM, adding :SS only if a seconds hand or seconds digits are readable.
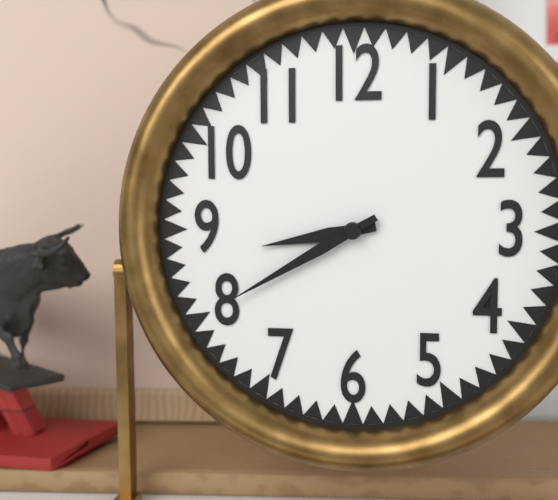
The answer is 8:40
